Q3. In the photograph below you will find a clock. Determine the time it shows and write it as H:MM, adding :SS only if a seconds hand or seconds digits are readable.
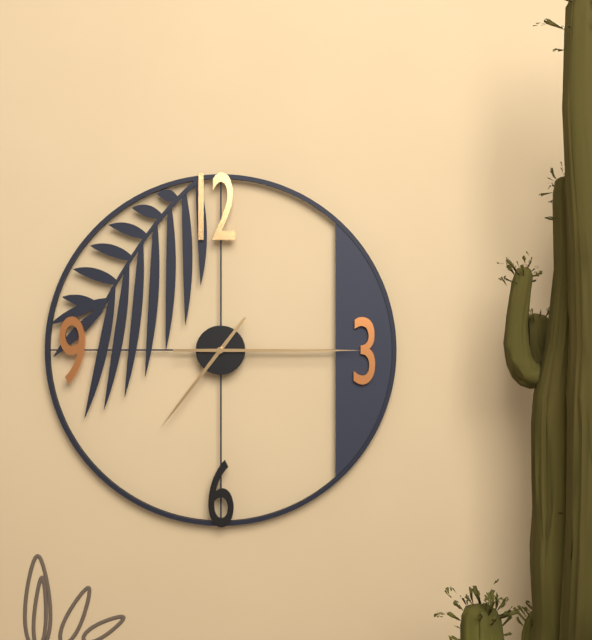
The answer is 7:15
